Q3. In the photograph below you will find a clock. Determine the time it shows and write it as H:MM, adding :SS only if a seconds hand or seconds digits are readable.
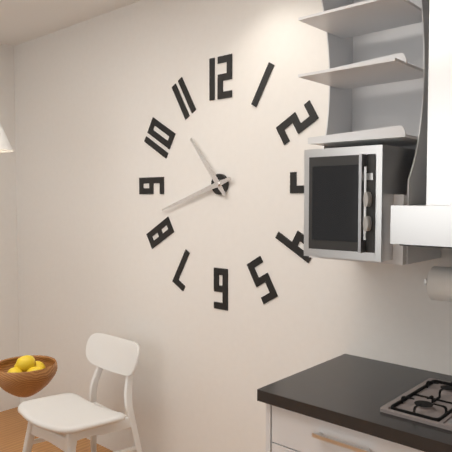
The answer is 10:42
